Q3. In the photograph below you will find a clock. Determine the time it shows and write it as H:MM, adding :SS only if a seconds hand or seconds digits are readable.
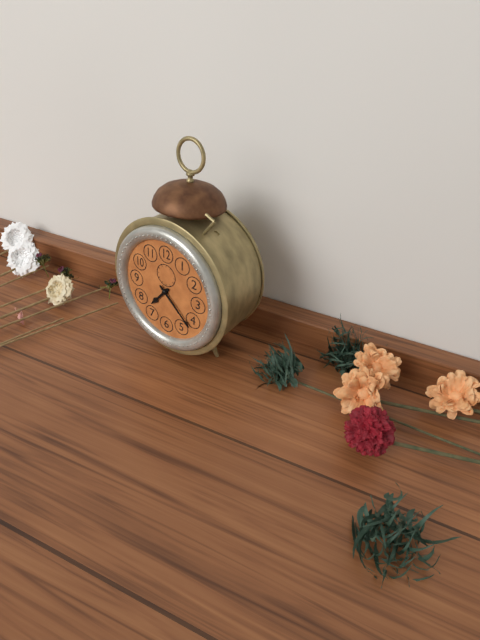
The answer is 7:22
